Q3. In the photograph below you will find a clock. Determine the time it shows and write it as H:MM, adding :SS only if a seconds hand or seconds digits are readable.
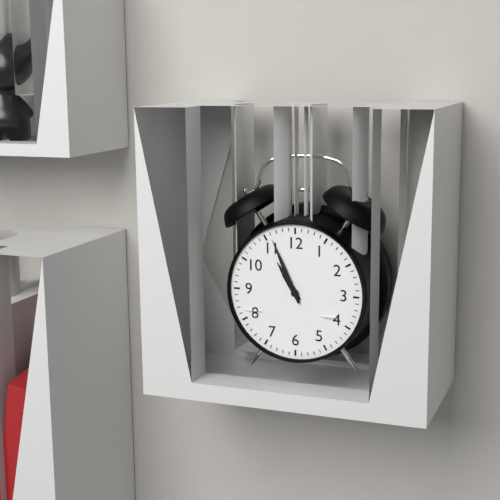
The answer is 10:56
